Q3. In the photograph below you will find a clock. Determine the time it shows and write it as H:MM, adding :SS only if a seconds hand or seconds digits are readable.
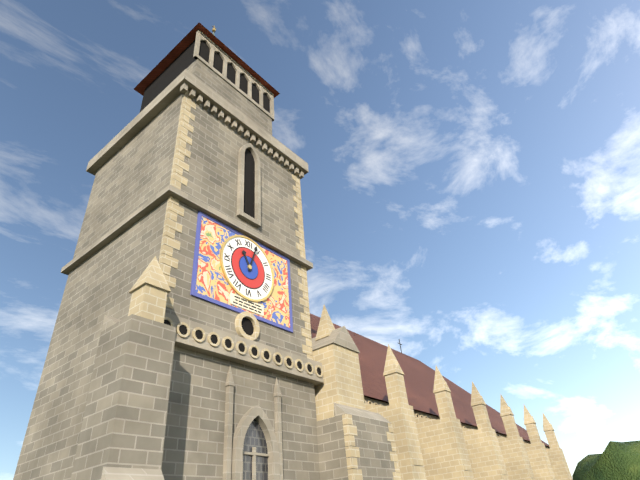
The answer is 11:03
